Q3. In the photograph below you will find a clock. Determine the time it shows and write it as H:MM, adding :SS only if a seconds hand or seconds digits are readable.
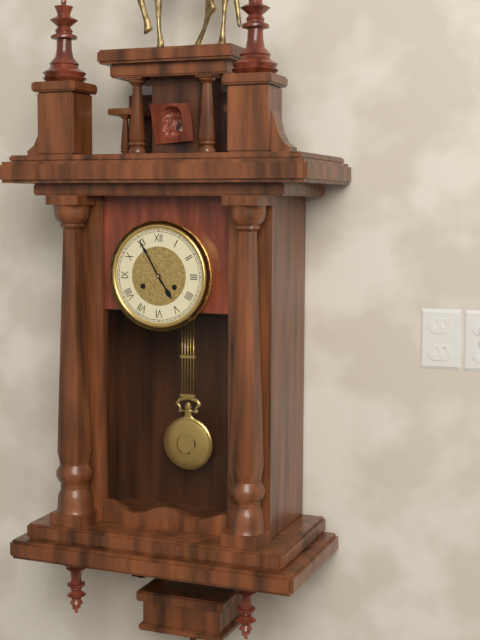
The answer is 4:55
